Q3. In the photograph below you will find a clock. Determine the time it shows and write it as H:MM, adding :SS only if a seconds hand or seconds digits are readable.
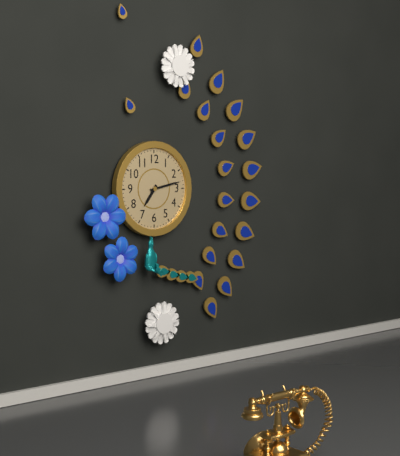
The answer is 7:13
